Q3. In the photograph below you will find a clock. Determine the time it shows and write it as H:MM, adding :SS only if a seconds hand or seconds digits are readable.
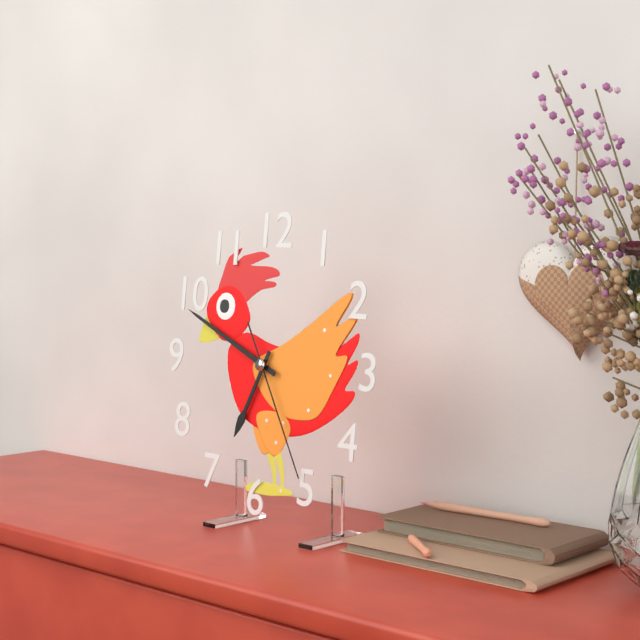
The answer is 6:49:25
